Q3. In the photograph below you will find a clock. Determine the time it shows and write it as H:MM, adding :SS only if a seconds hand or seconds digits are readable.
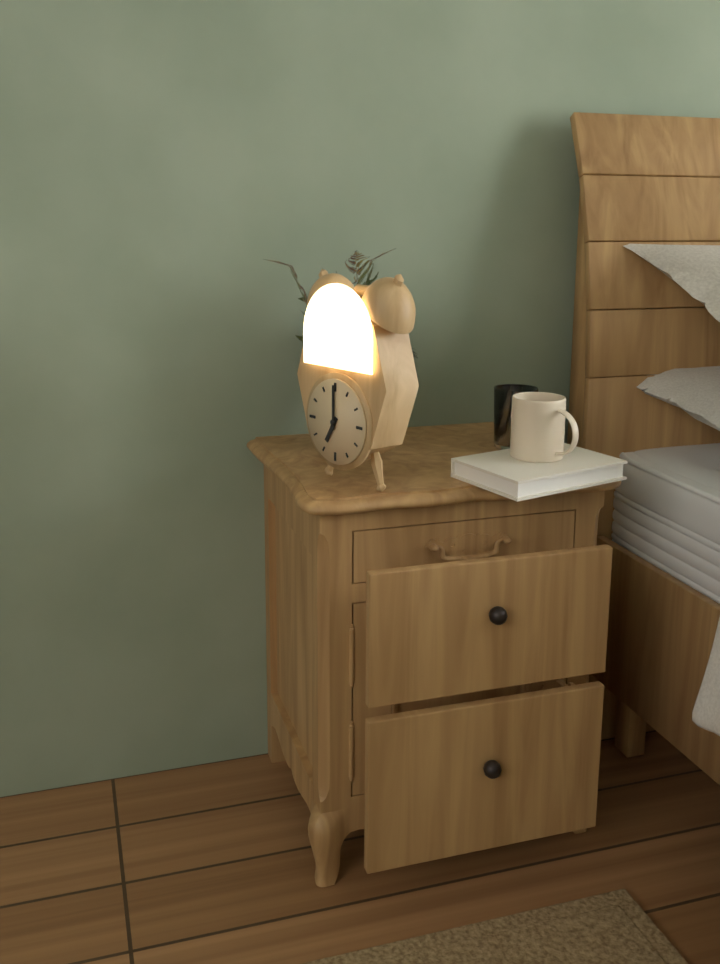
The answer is 7:00
